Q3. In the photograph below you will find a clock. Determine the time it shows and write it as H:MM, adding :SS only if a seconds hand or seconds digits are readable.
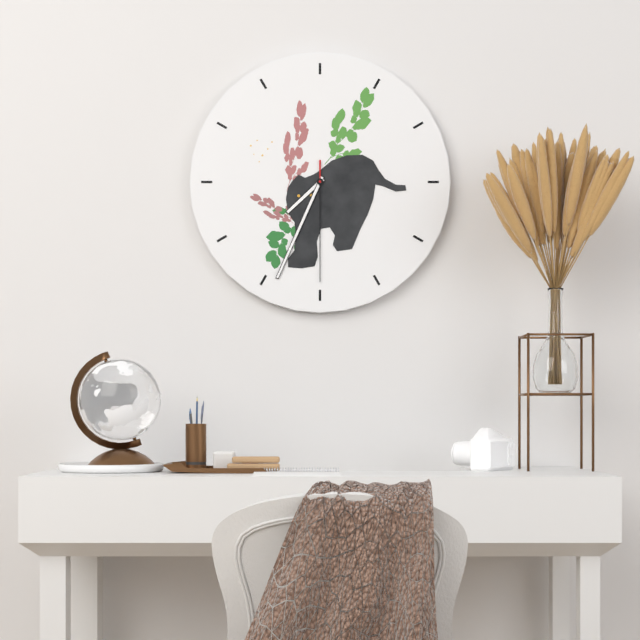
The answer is 7:34:30
